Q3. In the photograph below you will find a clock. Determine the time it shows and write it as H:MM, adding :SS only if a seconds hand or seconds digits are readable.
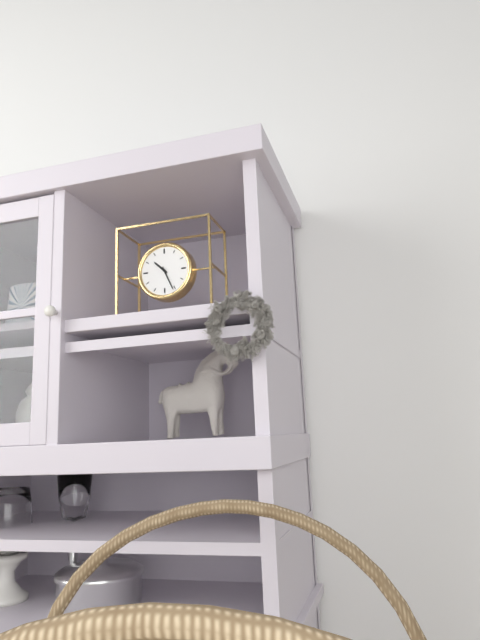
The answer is 10:26
